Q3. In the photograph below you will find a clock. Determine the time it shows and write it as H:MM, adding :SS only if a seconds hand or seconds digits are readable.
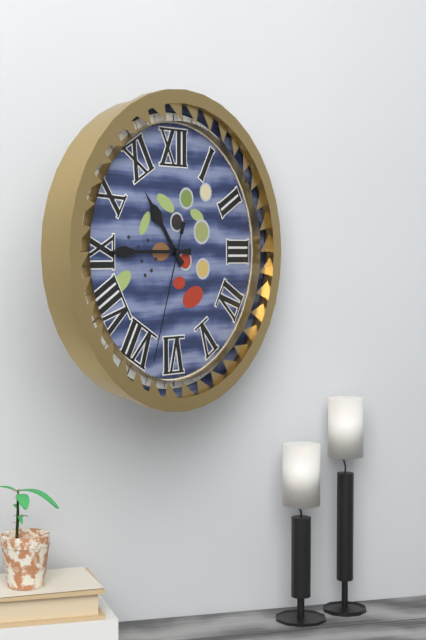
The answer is 10:45:33
